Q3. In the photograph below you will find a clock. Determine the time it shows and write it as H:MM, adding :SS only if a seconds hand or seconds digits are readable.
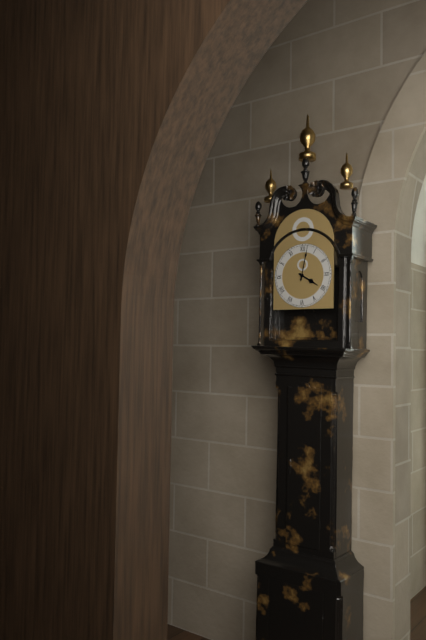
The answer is 4:02
